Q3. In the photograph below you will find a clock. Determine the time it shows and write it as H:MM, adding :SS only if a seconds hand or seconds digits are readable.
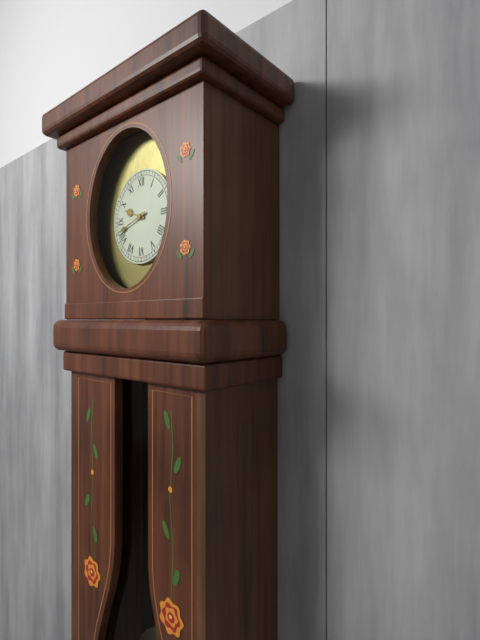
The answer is 9:42
